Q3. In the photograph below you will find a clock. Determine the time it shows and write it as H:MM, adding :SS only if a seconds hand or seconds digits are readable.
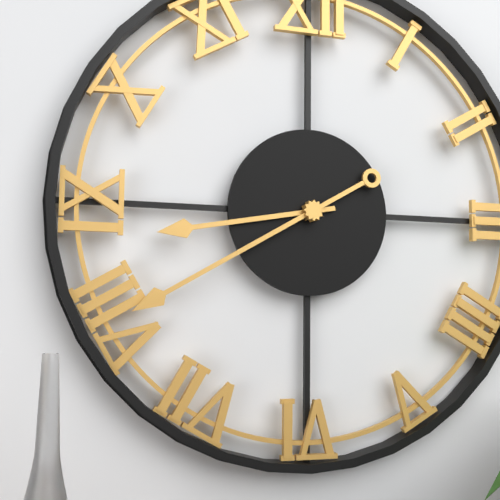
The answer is 8:40
